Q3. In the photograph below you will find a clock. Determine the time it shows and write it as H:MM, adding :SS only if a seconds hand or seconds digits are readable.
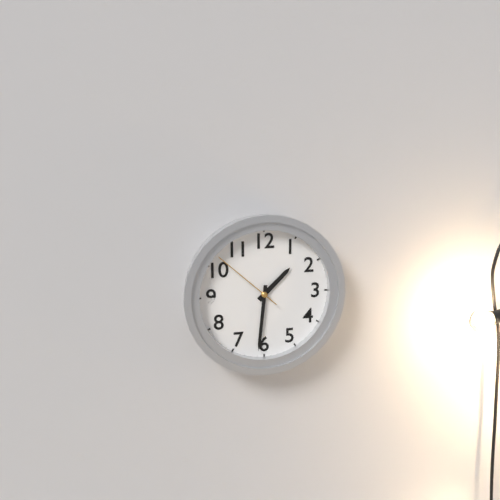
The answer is 1:31:52
